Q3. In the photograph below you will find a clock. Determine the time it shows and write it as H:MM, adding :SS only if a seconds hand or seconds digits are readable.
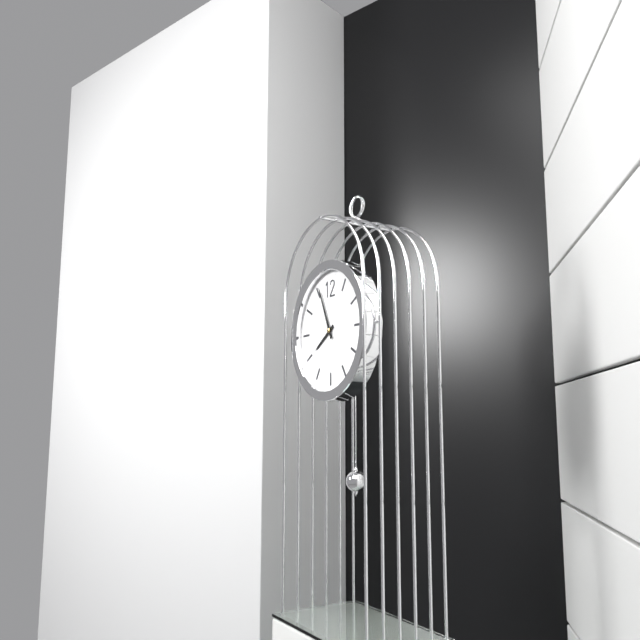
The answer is 7:56
